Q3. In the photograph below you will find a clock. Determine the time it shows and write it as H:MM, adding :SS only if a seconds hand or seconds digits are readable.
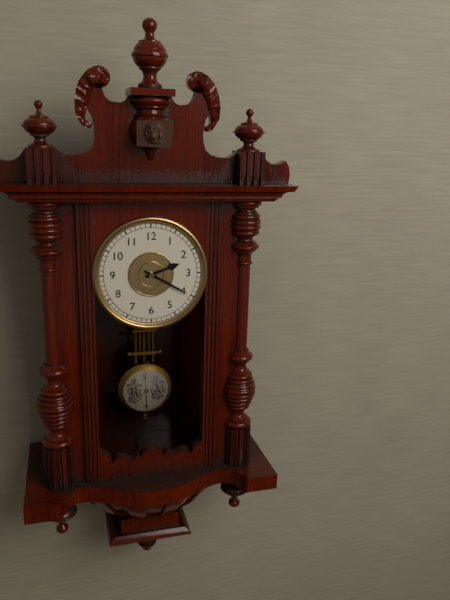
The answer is 2:20
